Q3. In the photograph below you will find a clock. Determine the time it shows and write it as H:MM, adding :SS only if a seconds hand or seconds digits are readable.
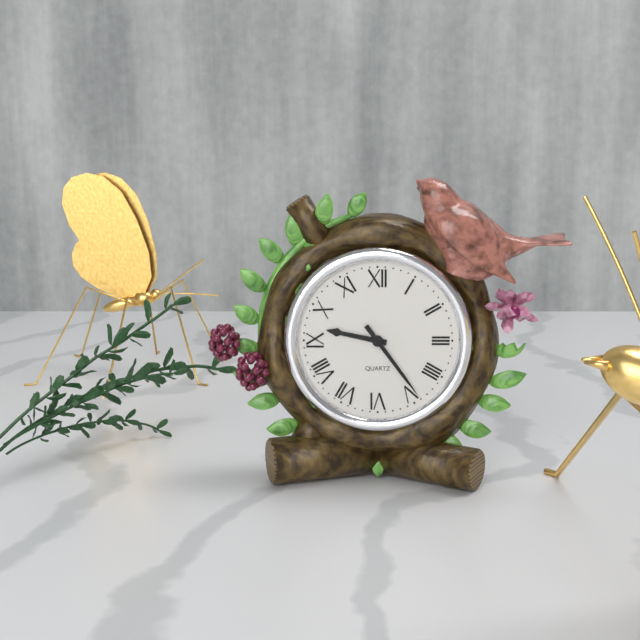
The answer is 9:24
